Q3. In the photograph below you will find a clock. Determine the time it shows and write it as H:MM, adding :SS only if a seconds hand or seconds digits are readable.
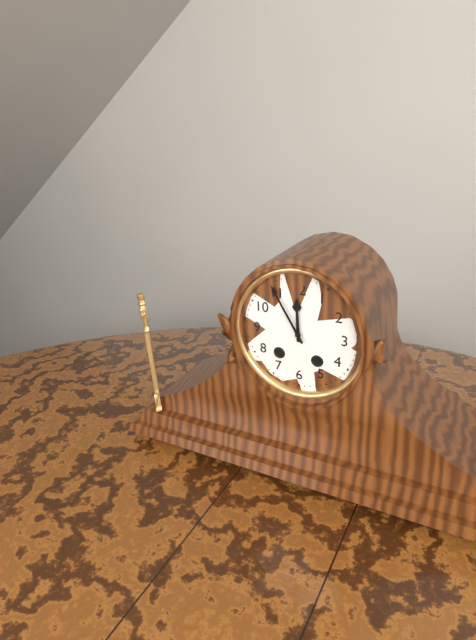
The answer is 11:55
